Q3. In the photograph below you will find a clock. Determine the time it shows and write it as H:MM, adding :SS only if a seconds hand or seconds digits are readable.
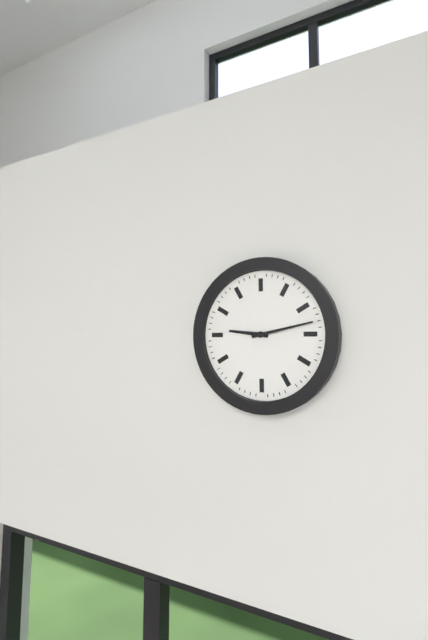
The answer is 9:13
